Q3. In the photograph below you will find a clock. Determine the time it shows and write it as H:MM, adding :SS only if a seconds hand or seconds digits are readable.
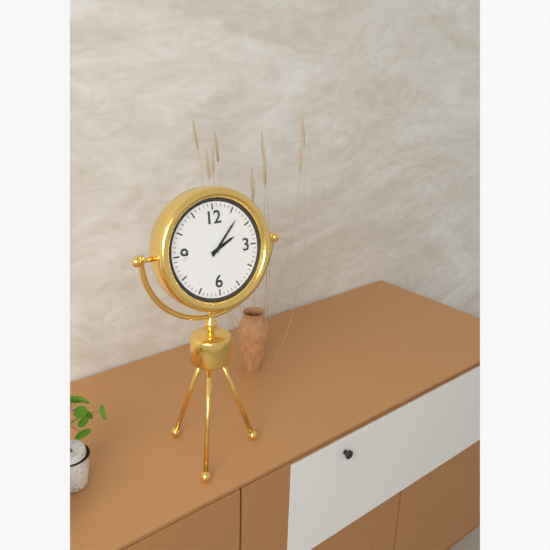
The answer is 2:07
